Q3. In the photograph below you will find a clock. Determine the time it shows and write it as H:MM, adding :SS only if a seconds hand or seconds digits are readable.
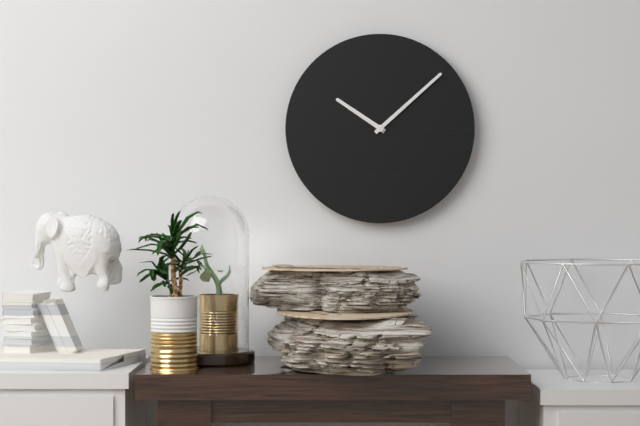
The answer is 10:08
